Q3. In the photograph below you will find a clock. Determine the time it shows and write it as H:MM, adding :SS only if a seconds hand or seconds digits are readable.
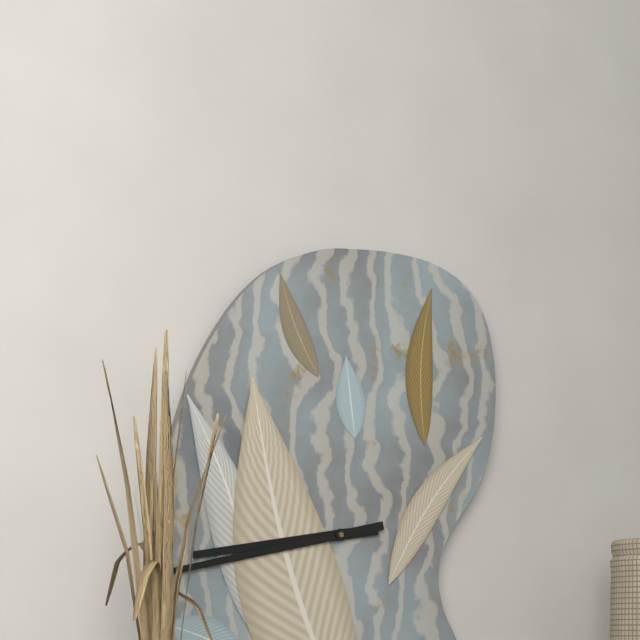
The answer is 8:43
